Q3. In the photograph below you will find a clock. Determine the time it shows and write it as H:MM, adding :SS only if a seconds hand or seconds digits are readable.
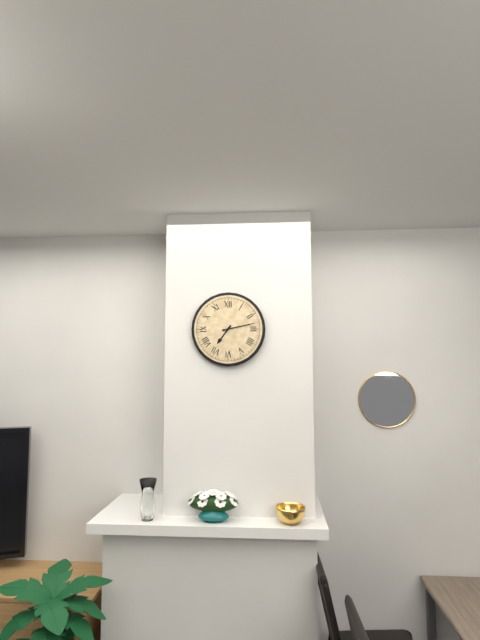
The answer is 7:13
